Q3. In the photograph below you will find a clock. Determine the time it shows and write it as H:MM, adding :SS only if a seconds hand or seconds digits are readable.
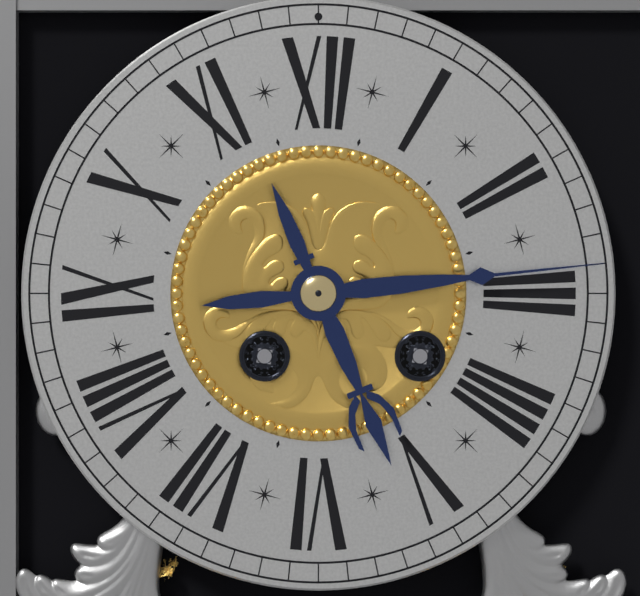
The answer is 5:14
